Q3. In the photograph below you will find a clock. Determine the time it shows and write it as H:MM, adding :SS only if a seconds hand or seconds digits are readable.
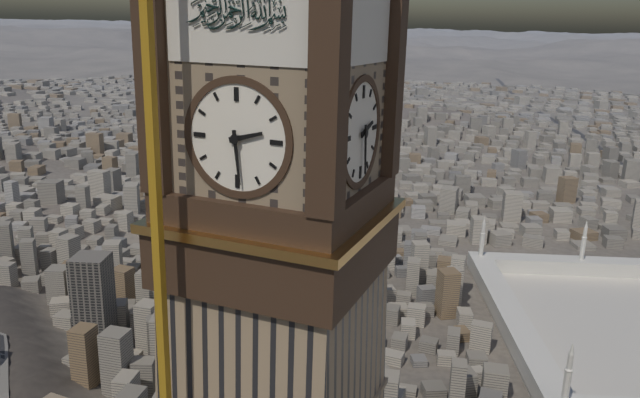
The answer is 2:29
